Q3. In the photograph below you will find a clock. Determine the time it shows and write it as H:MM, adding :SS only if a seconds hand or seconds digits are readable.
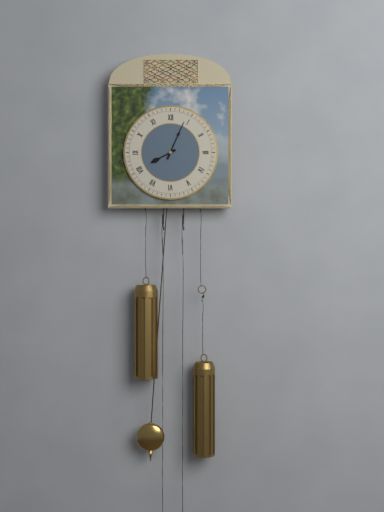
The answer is 8:04
